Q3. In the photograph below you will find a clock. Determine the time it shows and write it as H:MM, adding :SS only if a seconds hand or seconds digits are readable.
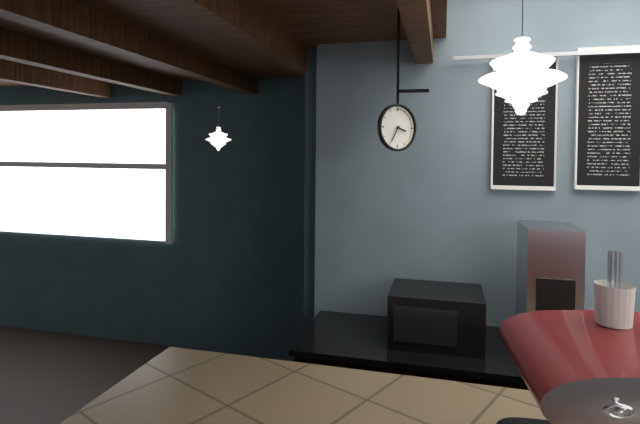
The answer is 3:35
